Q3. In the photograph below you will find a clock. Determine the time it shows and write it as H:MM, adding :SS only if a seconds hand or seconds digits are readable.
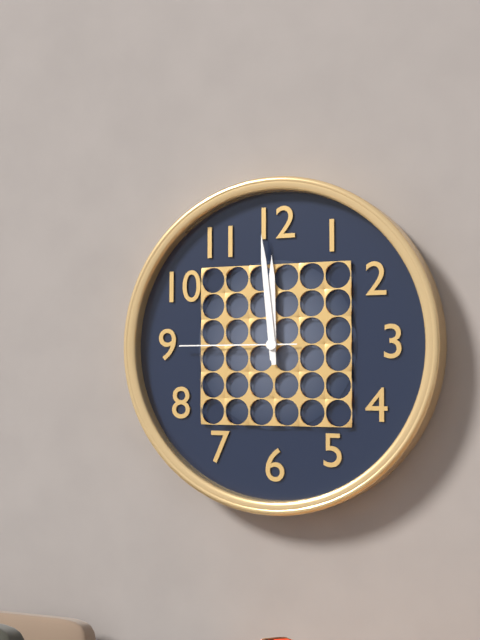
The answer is 11:59:45
